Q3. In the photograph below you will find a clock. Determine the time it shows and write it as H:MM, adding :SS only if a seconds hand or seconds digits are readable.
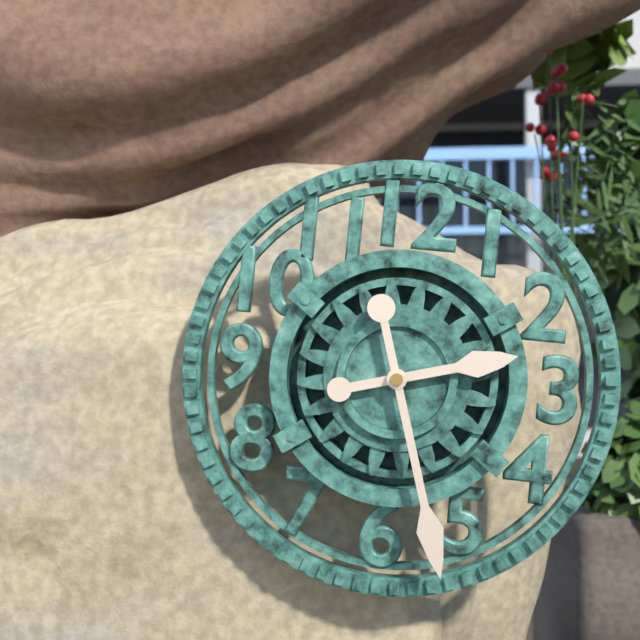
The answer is 2:27
